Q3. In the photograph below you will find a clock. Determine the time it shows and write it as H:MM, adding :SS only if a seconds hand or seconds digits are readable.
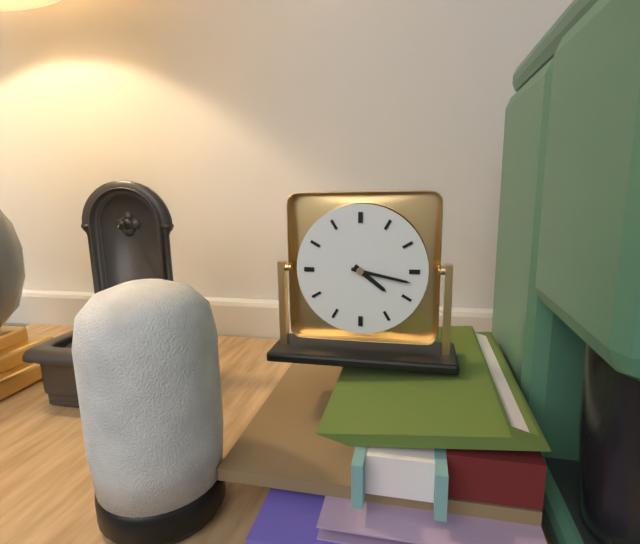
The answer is 4:17
